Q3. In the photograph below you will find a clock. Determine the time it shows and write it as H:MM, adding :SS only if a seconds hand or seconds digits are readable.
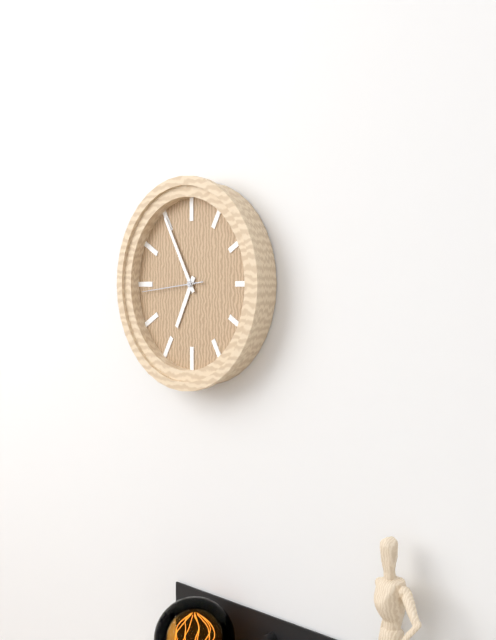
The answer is 6:55:44
